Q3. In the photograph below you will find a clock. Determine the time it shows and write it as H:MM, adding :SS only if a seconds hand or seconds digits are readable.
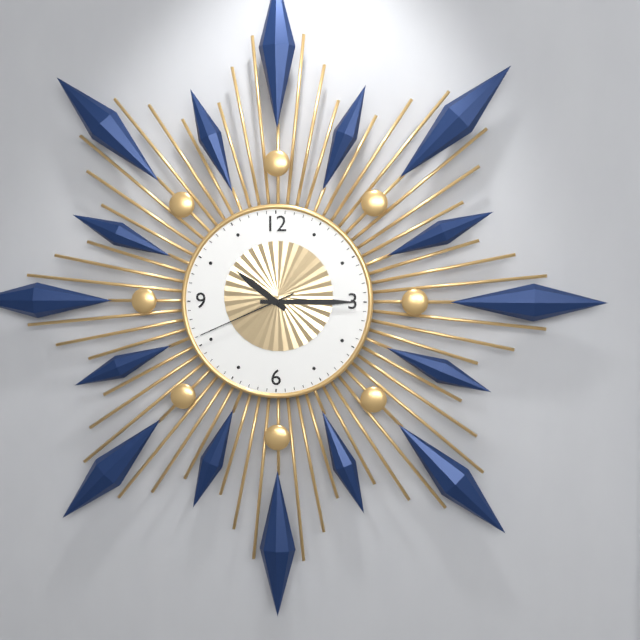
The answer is 10:15:41
